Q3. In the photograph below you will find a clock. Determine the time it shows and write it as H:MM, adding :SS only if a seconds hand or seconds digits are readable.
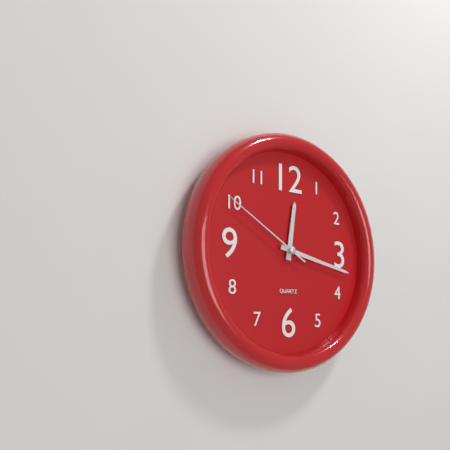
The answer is 12:17:50
